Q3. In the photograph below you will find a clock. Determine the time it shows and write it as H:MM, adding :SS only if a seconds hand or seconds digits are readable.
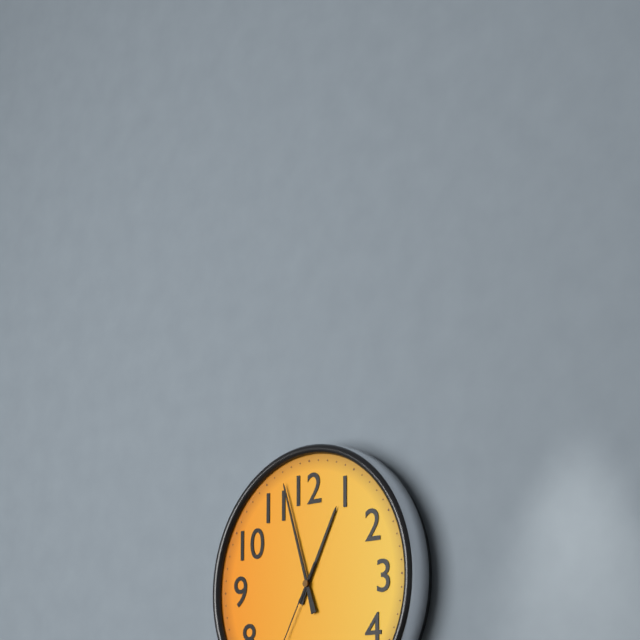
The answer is 12:57
